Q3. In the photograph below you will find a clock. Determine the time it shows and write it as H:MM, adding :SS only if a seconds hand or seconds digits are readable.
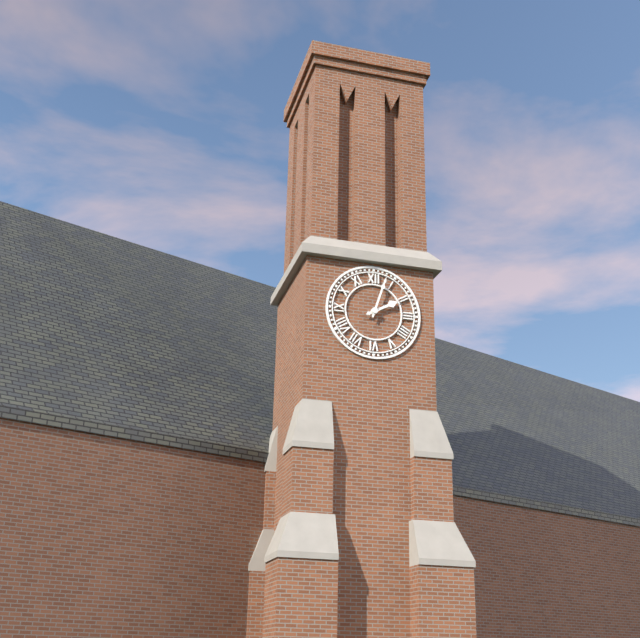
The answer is 2:03
